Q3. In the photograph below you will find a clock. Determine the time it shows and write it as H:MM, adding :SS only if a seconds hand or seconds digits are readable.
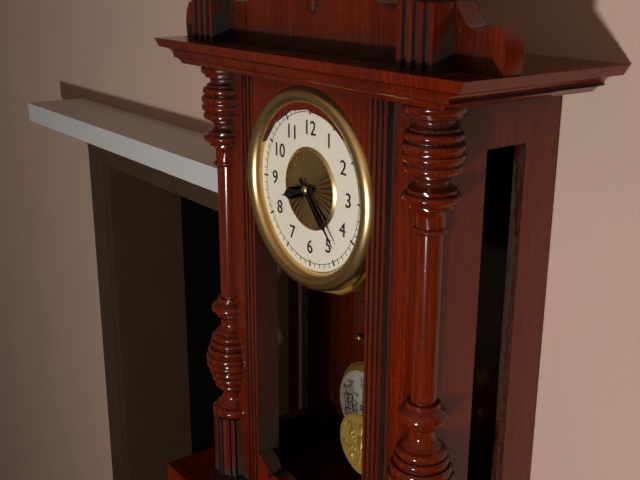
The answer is 8:23
